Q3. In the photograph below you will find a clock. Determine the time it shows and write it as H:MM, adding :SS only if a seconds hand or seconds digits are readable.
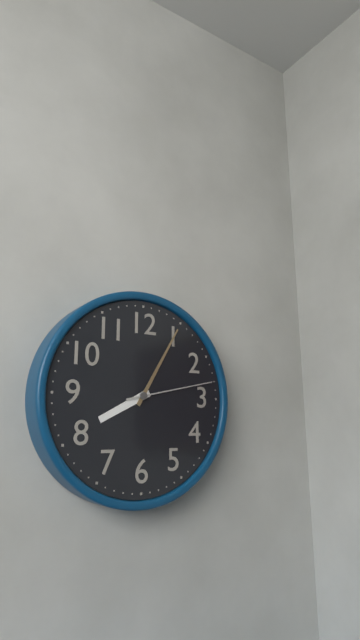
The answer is 8:05:13
